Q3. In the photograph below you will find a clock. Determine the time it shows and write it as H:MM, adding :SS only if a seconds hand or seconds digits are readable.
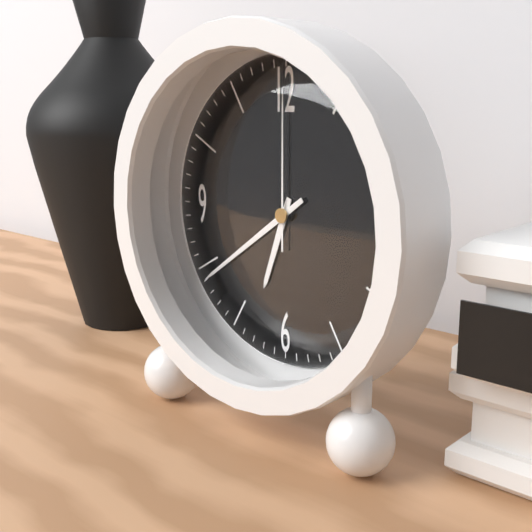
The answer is 6:39:00
